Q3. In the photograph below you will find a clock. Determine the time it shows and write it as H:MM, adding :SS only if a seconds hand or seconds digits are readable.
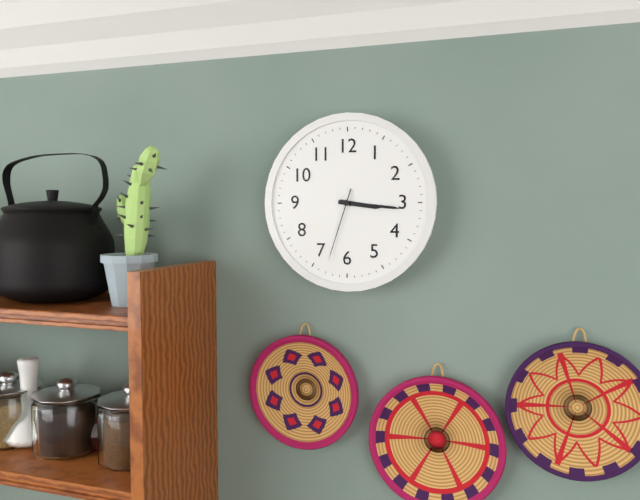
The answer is 3:16:33
